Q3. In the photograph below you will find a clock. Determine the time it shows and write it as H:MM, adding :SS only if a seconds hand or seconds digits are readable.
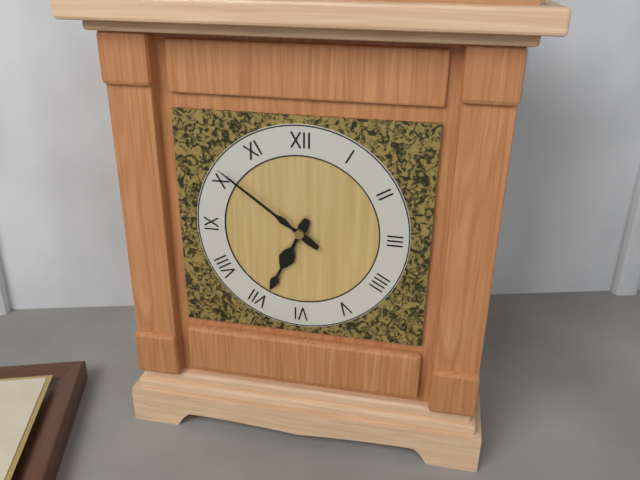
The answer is 6:51
